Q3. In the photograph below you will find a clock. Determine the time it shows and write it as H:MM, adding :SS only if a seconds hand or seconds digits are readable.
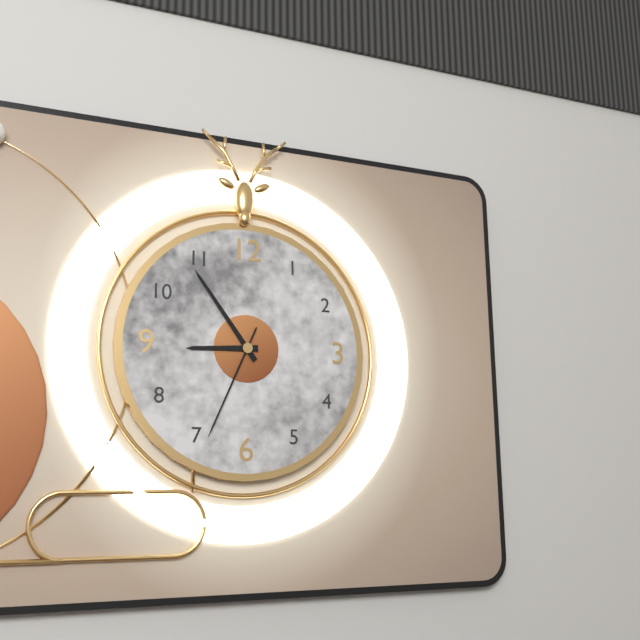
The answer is 8:54:34
